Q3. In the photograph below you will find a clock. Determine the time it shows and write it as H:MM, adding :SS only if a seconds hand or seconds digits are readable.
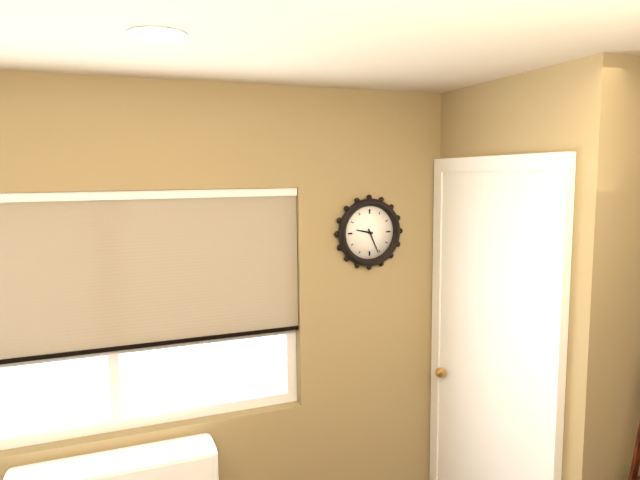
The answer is 9:26
